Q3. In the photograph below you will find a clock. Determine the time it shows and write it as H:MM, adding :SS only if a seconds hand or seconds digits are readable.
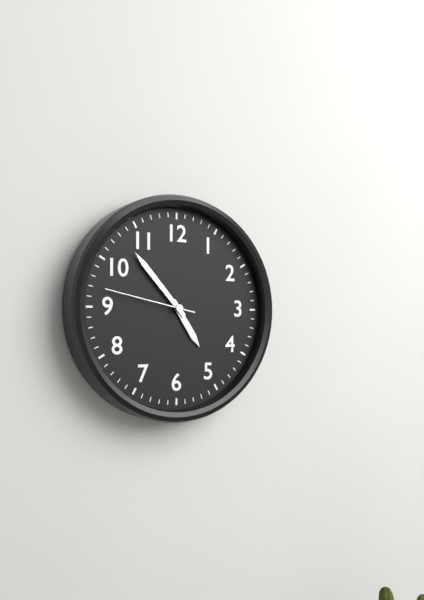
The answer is 4:53:47
